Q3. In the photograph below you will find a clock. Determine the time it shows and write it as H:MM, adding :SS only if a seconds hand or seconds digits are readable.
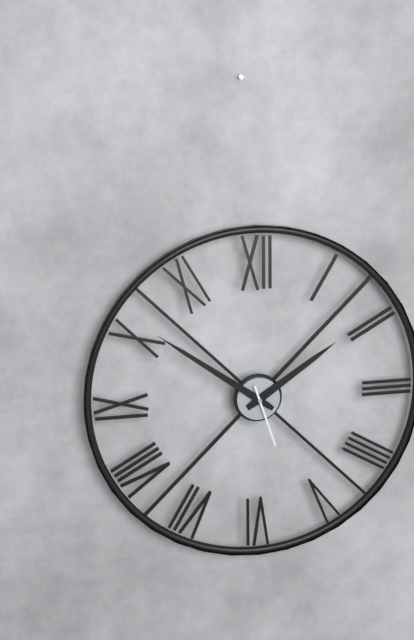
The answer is 1:51:27
